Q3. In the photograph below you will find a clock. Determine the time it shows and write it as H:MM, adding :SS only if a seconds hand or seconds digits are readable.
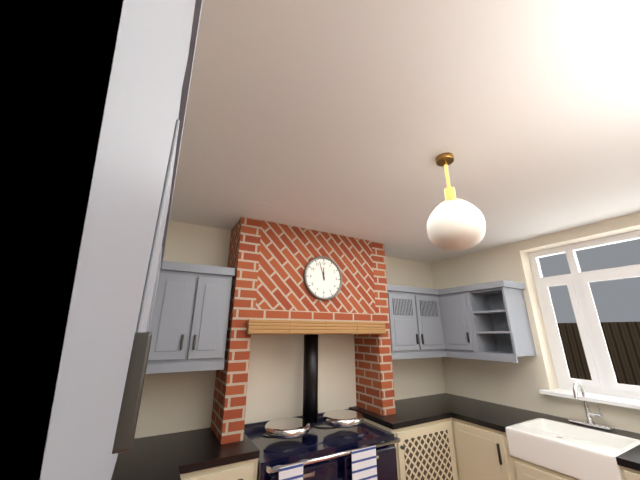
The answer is 11:57
